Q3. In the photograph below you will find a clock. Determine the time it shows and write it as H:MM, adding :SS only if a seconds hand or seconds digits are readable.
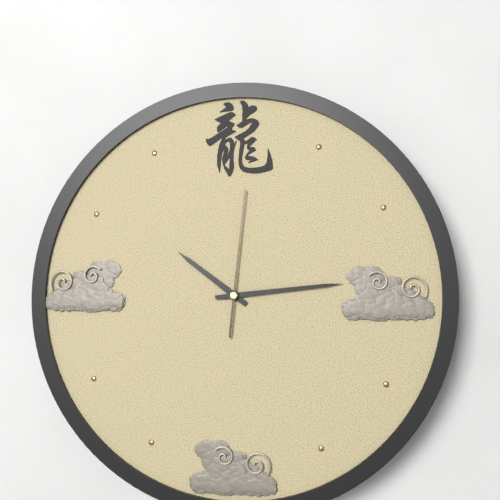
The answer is 10:14:01
